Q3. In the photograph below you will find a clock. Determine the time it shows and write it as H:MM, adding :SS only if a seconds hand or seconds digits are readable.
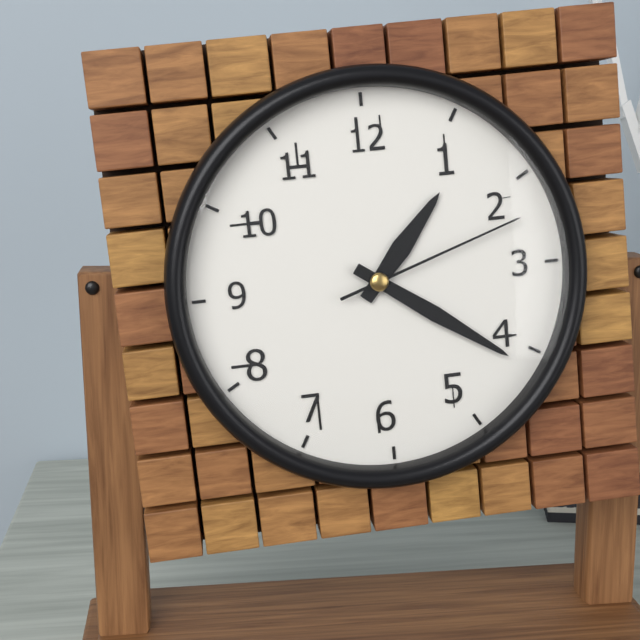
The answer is 1:21:12
